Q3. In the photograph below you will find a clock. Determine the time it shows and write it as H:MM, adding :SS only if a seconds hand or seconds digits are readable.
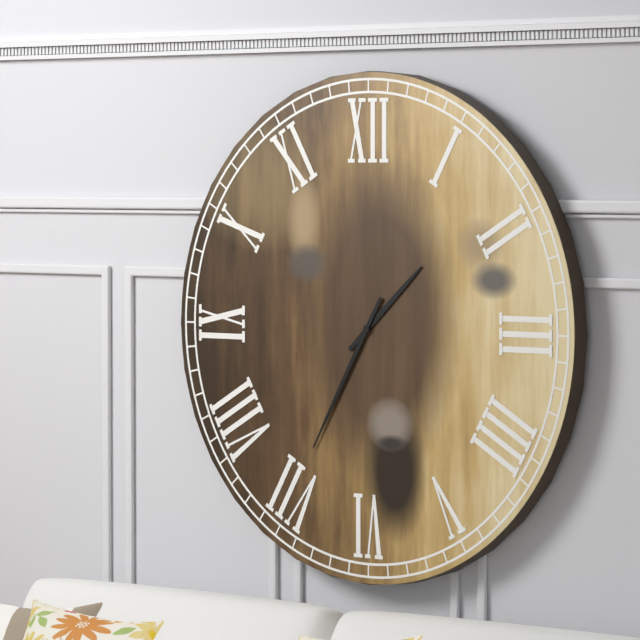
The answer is 1:35
